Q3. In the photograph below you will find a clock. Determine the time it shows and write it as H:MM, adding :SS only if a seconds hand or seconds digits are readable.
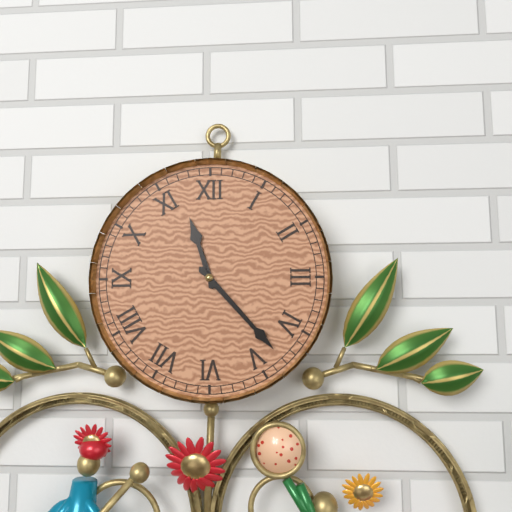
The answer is 11:23
